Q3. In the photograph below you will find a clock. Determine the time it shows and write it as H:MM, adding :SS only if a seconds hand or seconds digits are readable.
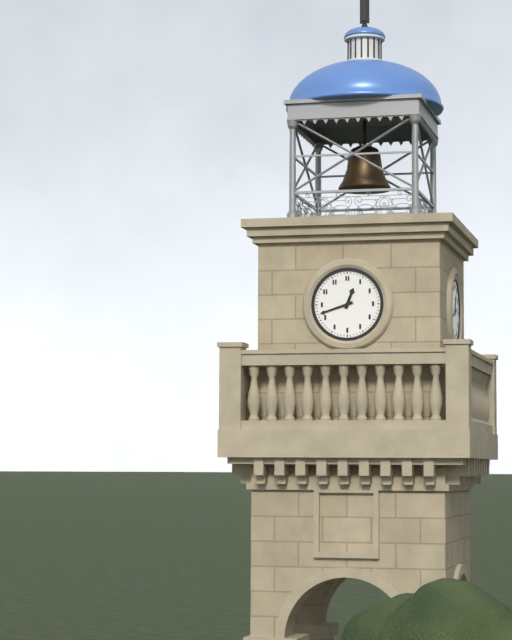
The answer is 12:42
